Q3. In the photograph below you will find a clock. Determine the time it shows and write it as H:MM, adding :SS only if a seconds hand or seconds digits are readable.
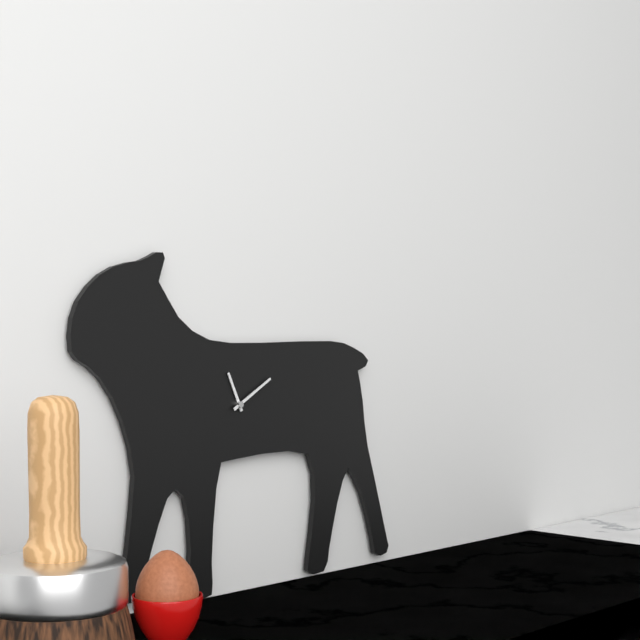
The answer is 11:10
